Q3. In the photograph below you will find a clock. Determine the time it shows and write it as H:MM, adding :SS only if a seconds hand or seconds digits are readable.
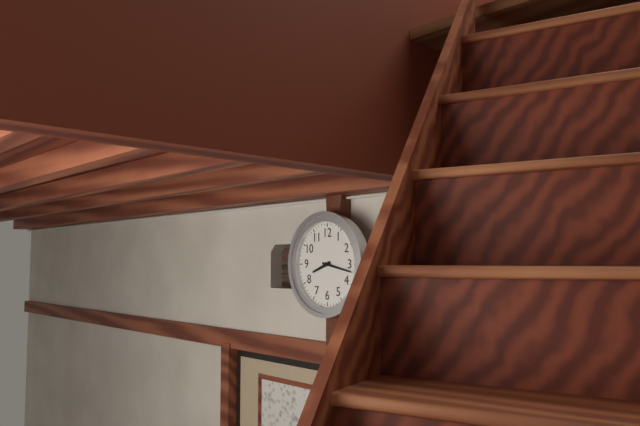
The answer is 8:17
